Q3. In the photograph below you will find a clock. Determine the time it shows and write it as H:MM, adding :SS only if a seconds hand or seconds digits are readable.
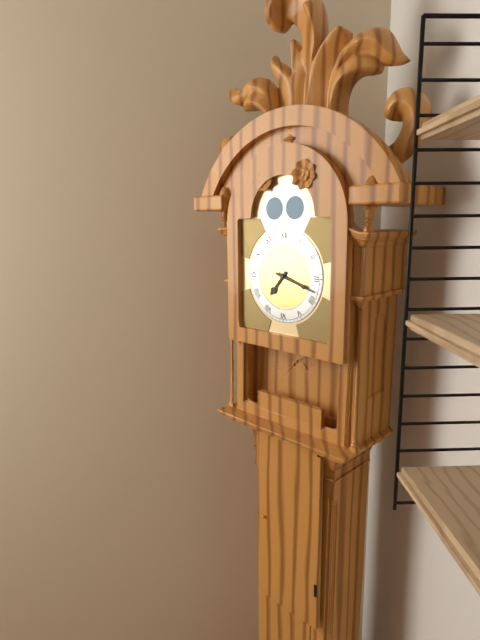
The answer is 7:18
